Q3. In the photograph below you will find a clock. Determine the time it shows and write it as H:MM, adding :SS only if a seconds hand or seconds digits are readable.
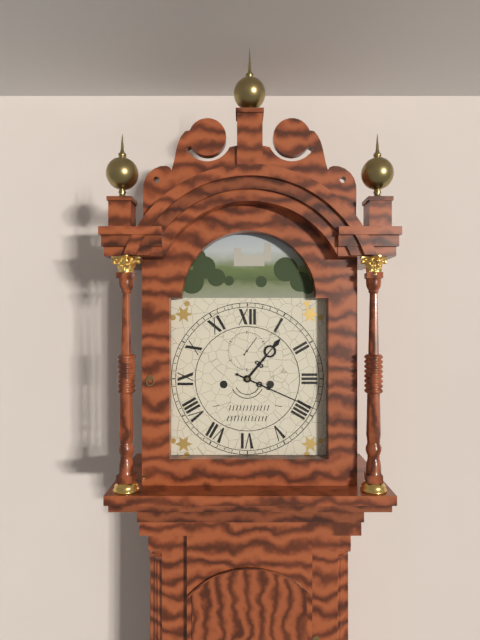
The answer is 1:19
